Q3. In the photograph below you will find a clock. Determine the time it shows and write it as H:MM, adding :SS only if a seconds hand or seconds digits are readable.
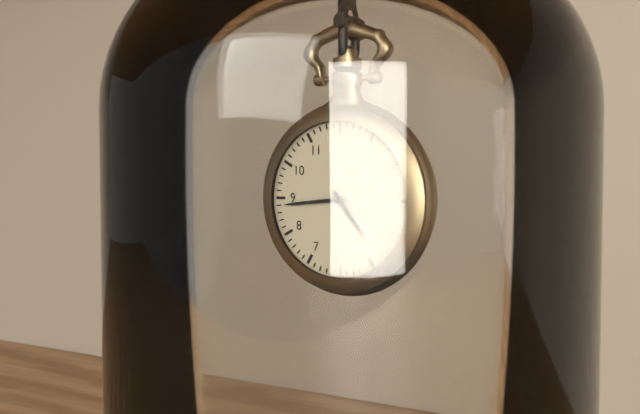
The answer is 4:44
